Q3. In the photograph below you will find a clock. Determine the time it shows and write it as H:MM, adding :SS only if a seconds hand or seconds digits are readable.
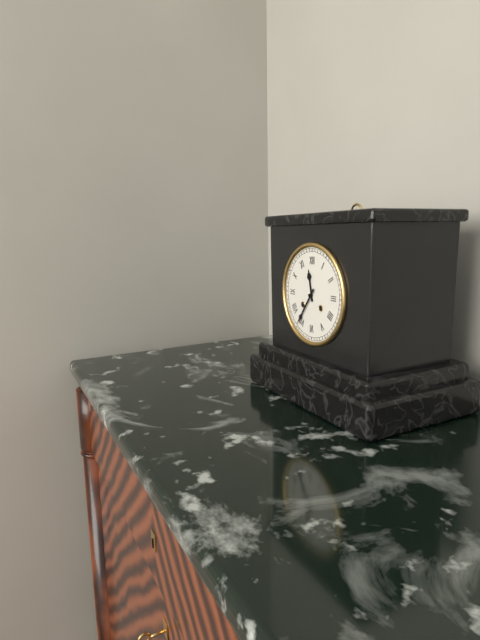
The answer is 11:36
